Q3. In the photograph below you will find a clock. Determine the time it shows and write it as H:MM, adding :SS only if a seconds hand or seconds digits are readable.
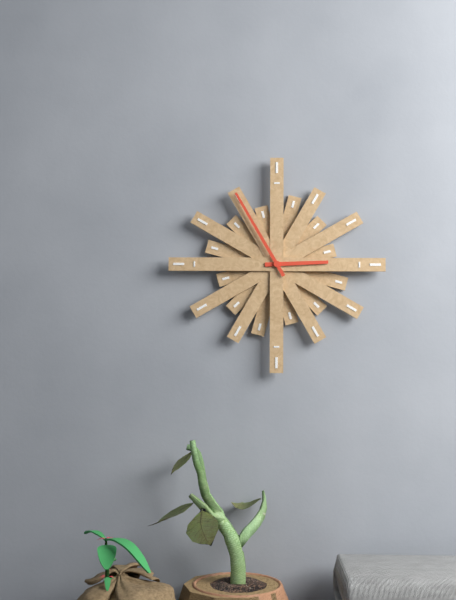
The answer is 2:55
